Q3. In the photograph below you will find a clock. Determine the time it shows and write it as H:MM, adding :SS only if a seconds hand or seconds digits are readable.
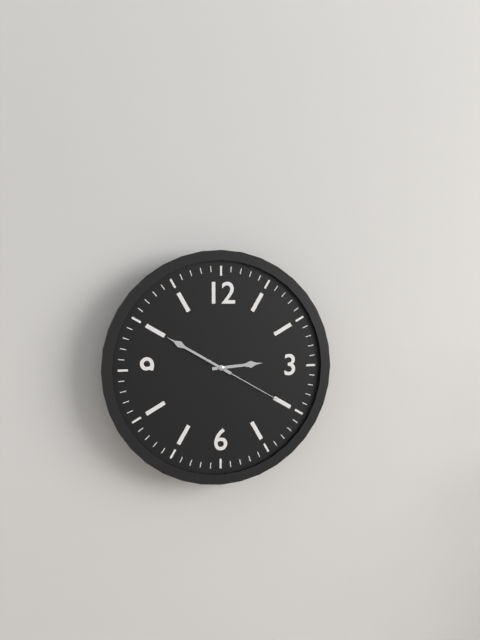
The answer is 2:50:20
